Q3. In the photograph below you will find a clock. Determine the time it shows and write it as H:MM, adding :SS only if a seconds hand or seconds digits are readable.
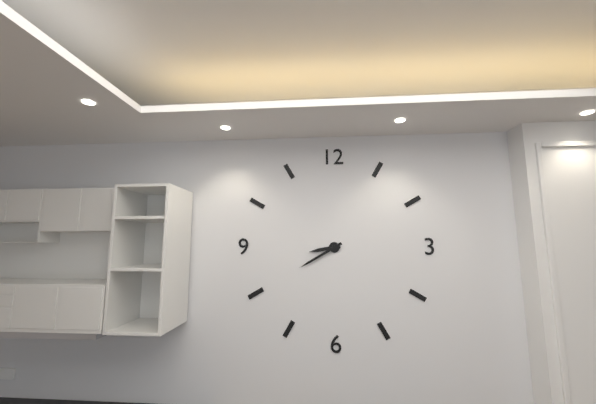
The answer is 8:40
